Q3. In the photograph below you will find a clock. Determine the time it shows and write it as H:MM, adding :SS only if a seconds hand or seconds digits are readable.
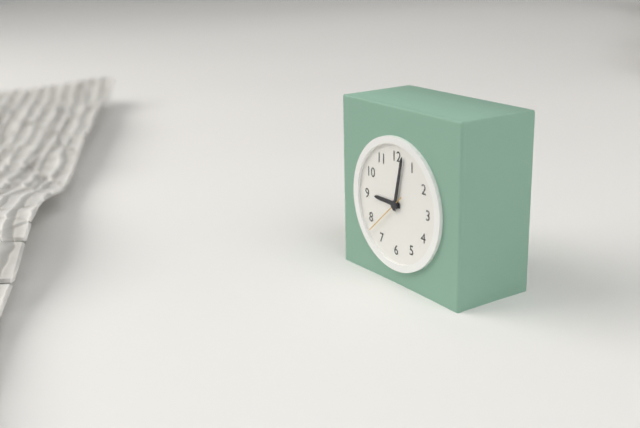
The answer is 9:02
